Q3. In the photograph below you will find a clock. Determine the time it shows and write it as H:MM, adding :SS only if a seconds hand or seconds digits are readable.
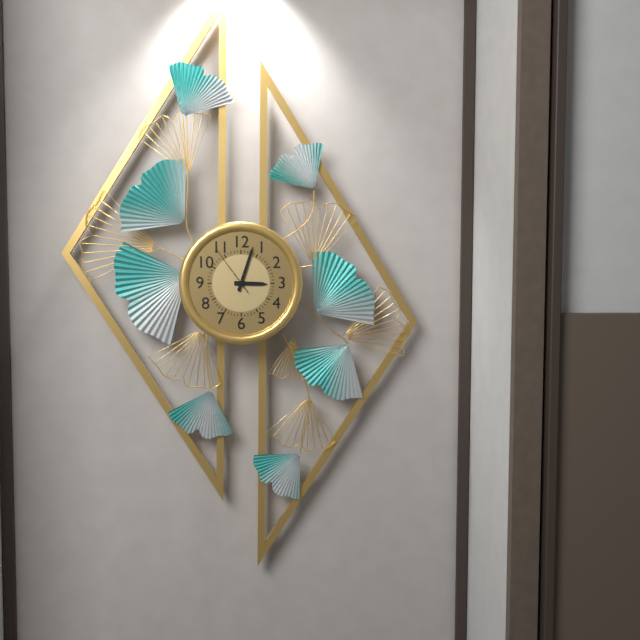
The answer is 3:03:54
